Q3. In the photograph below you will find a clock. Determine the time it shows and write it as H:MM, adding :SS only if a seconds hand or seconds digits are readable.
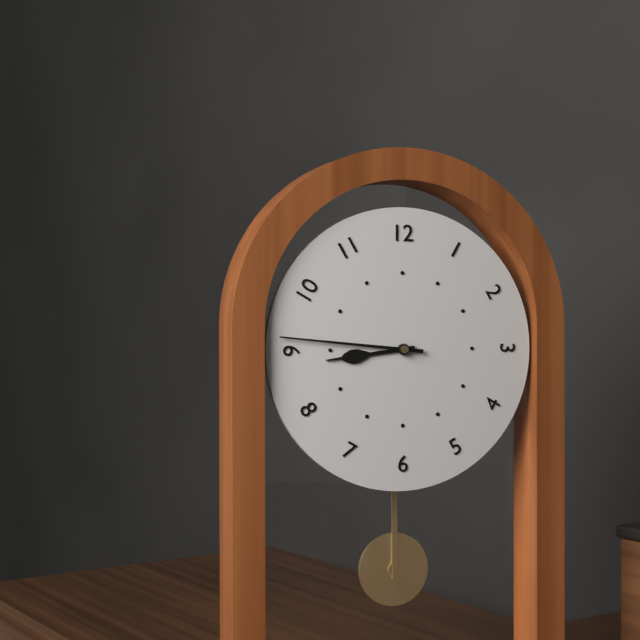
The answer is 8:46
